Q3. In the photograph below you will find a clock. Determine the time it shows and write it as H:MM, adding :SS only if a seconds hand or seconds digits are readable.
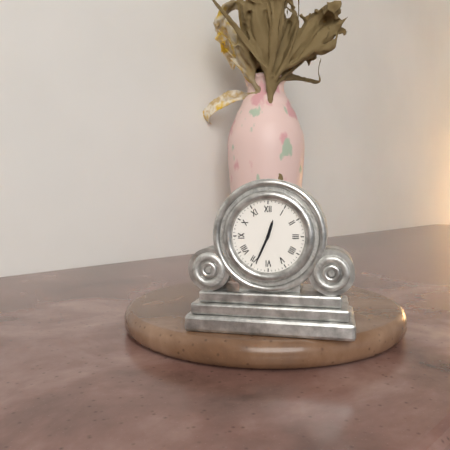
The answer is 12:34
